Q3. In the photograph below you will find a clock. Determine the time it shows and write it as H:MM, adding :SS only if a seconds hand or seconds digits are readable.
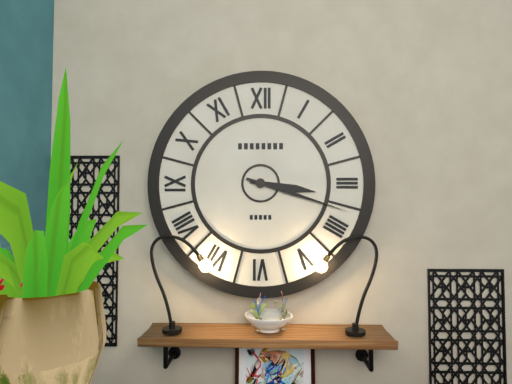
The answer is 3:18
